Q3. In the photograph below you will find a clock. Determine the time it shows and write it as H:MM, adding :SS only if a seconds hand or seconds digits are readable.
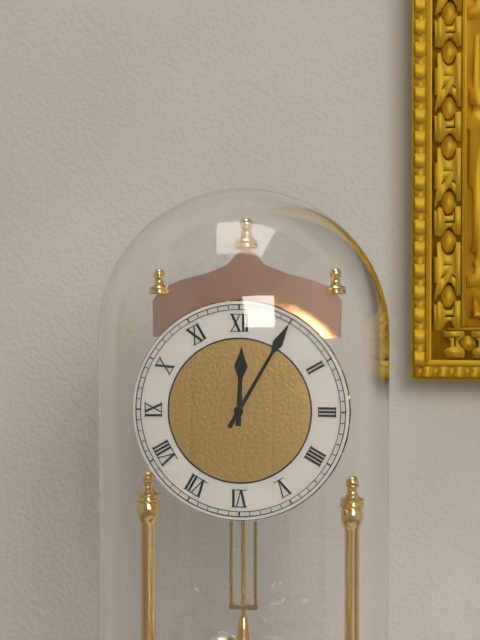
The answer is 12:05
